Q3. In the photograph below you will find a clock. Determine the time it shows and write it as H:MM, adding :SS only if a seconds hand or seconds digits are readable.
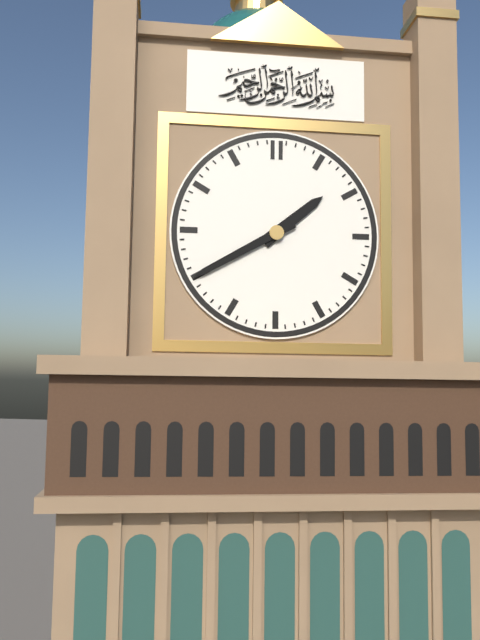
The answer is 1:40
